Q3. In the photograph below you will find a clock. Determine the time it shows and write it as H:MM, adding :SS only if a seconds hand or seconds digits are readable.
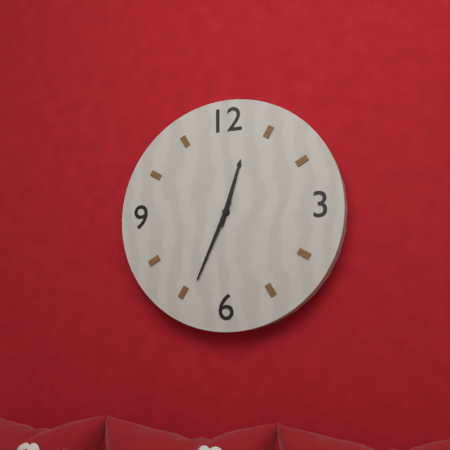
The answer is 12:34
